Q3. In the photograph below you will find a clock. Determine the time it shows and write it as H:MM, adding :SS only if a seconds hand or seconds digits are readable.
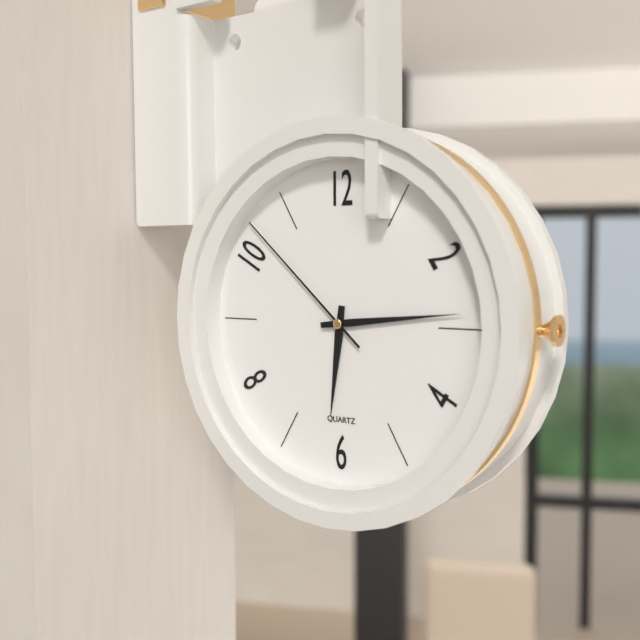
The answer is 6:14:52
